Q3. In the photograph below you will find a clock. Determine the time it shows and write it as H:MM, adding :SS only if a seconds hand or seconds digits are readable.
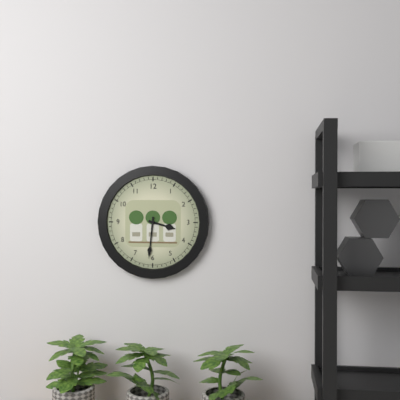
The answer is 3:31
